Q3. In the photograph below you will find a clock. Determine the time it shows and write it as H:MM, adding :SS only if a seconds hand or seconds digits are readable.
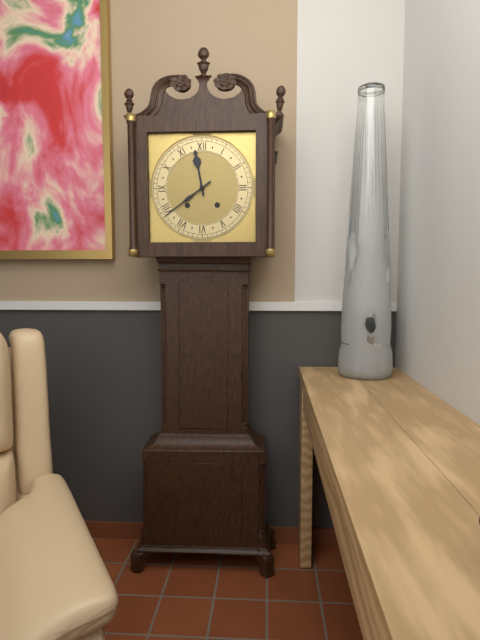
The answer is 11:39
